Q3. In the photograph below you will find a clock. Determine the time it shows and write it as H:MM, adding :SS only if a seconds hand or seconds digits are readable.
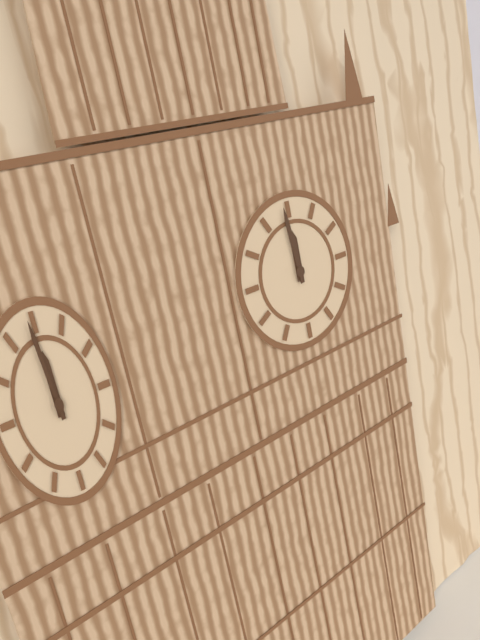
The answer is 11:59
